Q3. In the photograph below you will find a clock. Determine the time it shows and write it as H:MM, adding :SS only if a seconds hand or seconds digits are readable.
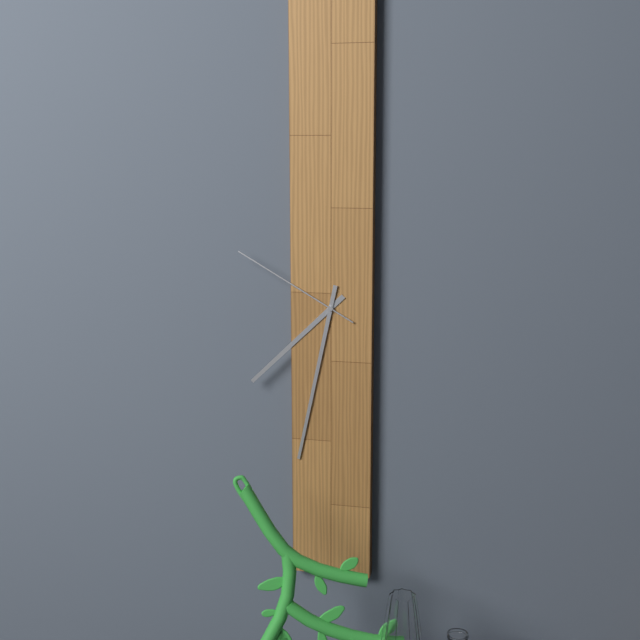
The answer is 7:32:50
